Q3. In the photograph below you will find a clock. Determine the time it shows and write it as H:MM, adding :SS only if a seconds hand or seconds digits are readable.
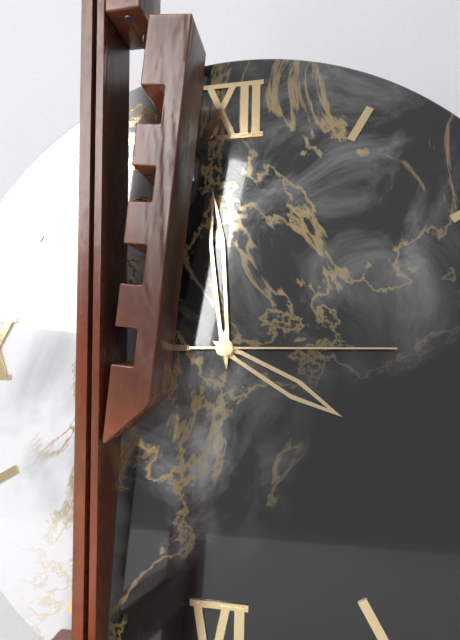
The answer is 3:59:15
